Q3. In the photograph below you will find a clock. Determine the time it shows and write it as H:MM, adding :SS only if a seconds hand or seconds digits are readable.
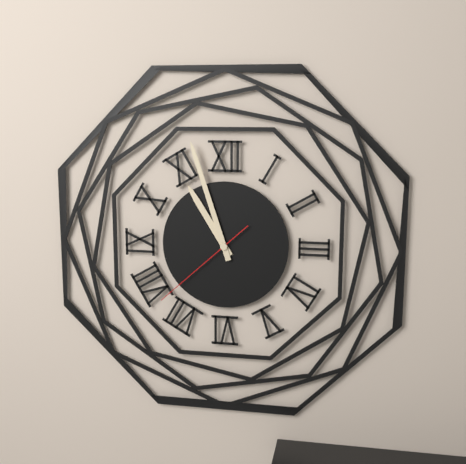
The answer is 10:57:38
